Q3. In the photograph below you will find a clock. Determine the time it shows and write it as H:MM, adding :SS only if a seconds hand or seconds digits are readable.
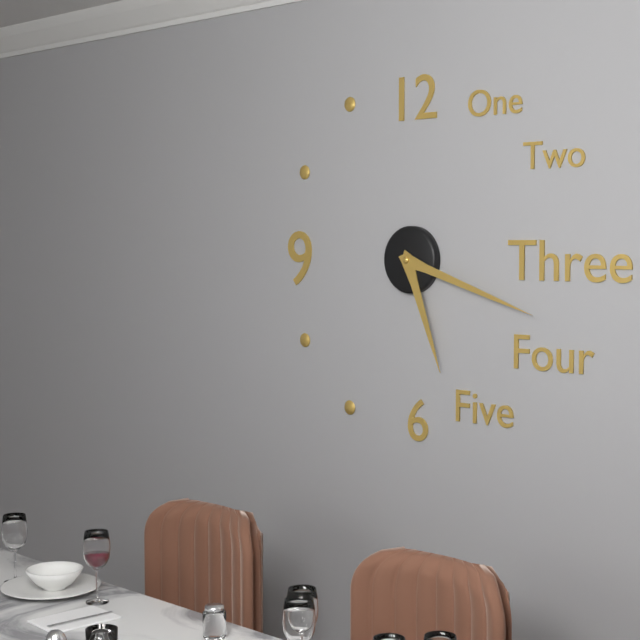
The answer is 5:18
